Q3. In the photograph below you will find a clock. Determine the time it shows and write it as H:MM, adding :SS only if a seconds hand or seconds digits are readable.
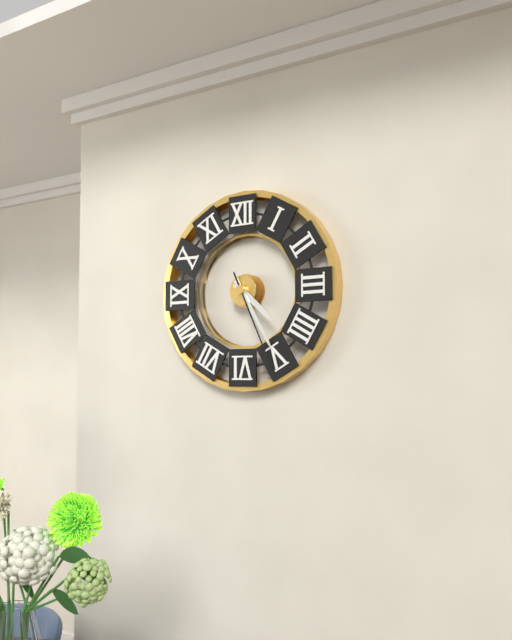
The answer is 4:25:26
